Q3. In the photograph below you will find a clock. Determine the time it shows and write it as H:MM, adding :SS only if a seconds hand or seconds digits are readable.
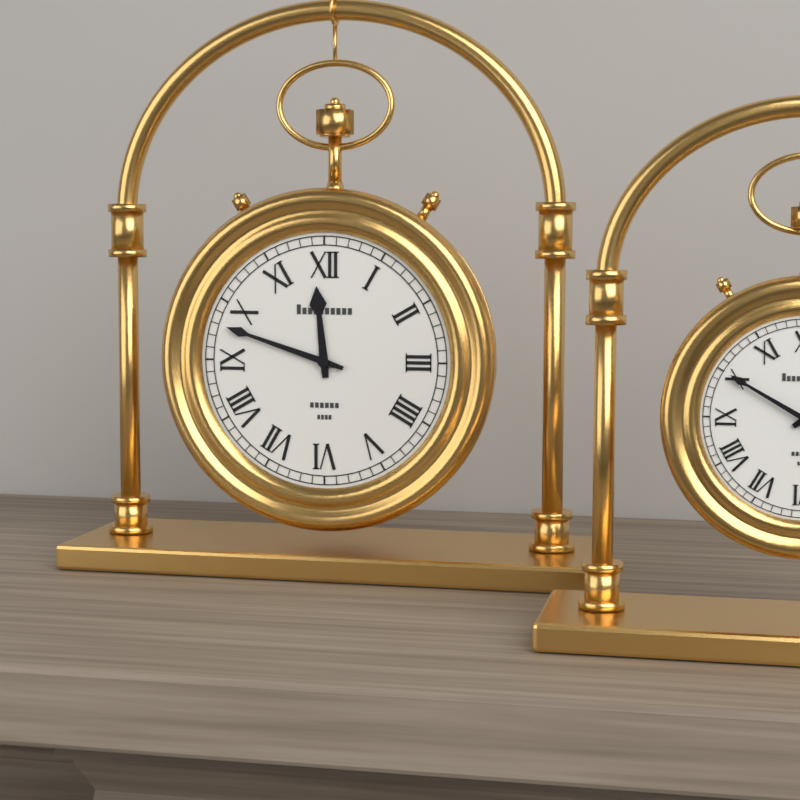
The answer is 11:48
